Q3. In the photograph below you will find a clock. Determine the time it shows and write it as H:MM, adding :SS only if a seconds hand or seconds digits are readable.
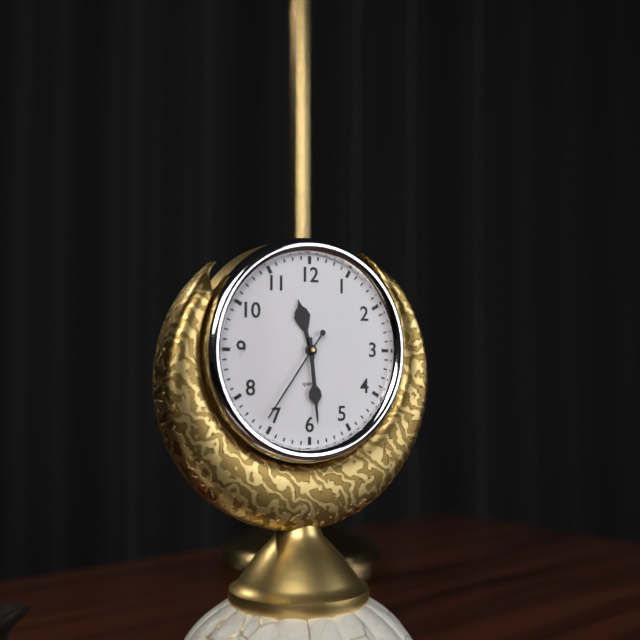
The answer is 11:29:36
